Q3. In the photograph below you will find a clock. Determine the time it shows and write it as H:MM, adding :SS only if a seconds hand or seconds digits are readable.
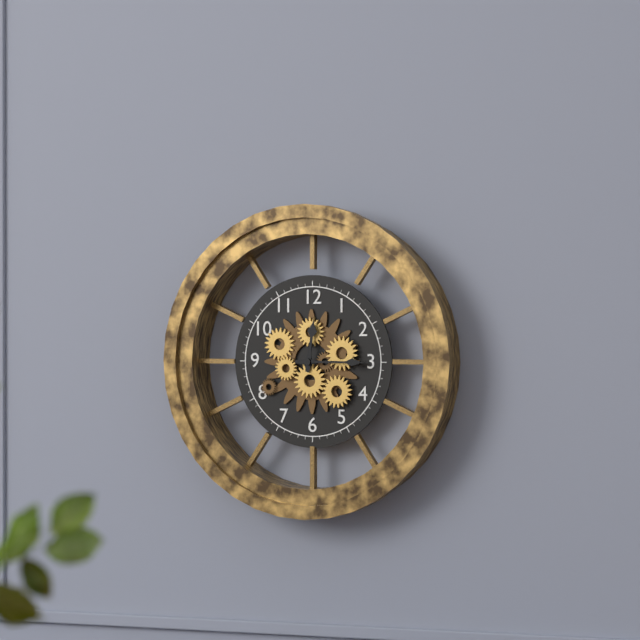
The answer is 12:15
